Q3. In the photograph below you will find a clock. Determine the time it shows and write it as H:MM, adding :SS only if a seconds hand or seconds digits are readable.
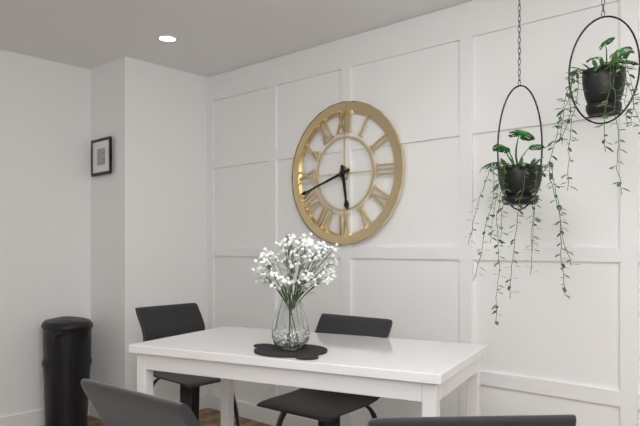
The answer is 5:42
